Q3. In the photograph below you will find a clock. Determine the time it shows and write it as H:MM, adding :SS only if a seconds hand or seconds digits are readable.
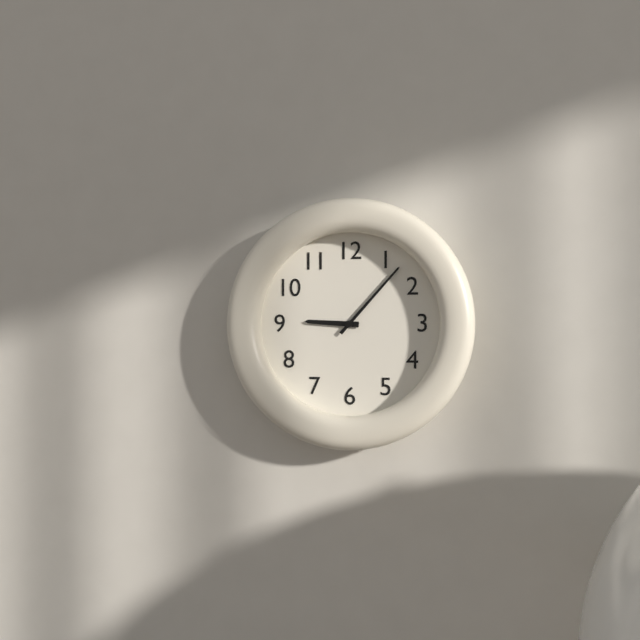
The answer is 9:07
